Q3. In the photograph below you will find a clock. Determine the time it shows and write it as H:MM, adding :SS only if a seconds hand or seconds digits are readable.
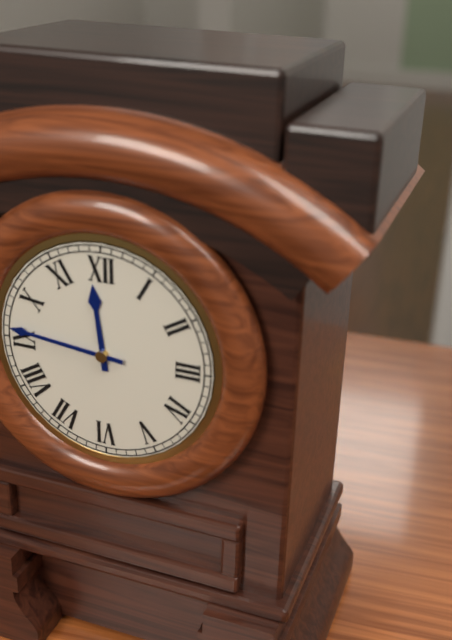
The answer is 11:46
